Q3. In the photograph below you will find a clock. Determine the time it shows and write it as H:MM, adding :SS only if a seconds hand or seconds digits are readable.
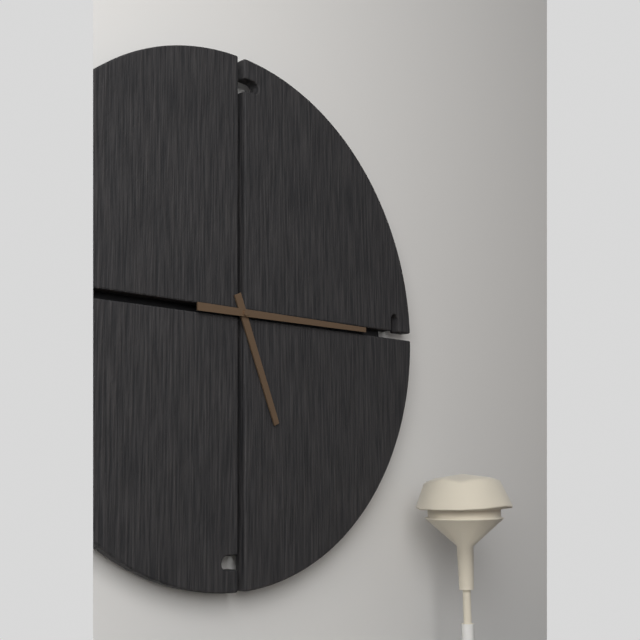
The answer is 5:15
